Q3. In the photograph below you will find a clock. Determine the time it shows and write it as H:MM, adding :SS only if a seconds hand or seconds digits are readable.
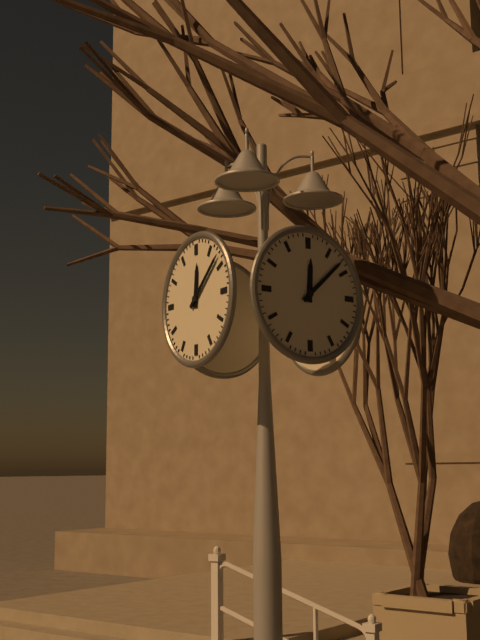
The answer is 12:08
